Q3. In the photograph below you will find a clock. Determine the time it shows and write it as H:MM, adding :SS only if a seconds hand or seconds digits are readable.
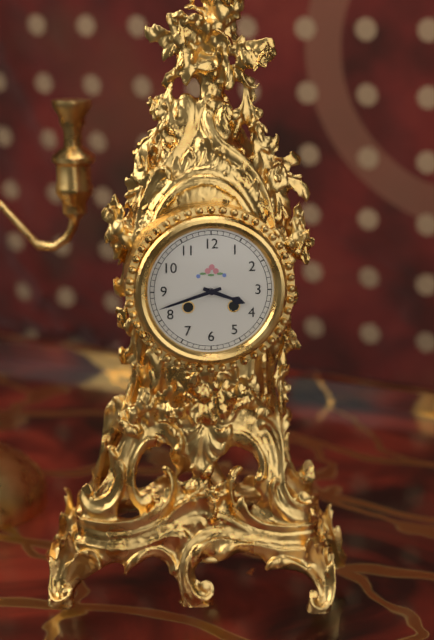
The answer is 3:42
